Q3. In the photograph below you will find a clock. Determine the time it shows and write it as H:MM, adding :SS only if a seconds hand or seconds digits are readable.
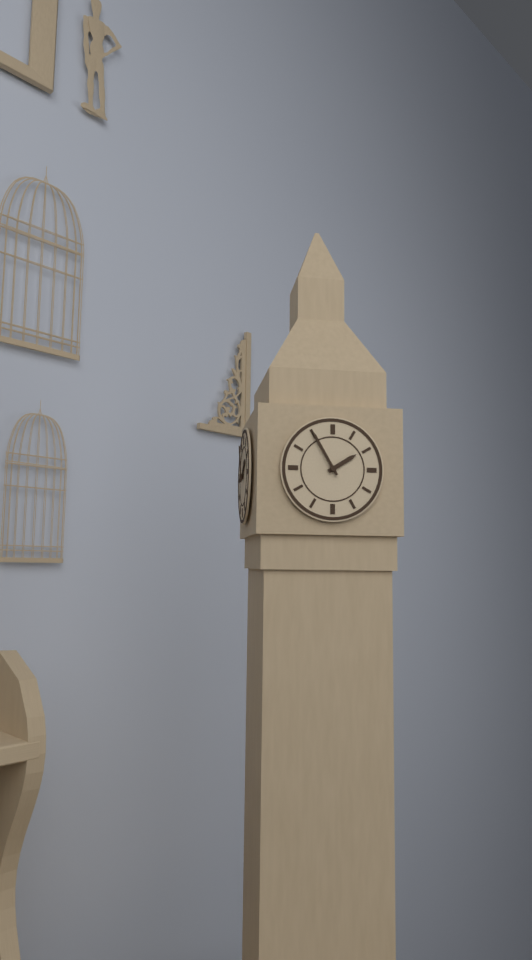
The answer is 1:55
